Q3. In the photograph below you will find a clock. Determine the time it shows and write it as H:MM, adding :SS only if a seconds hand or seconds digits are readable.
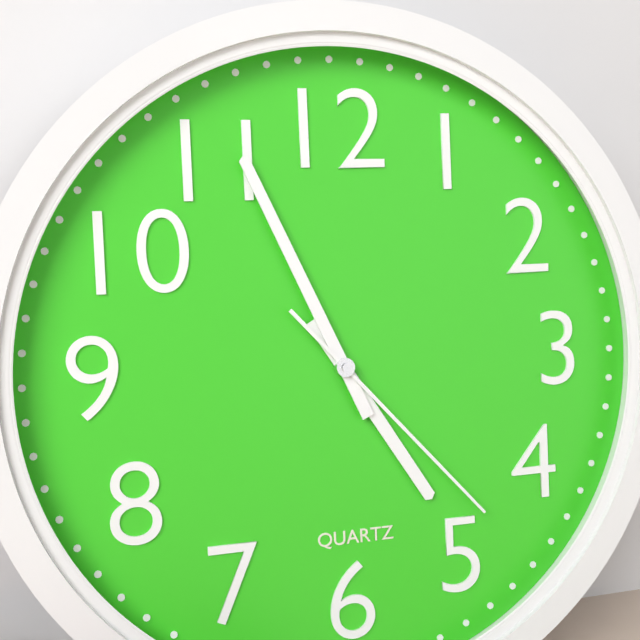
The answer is 4:56:23
